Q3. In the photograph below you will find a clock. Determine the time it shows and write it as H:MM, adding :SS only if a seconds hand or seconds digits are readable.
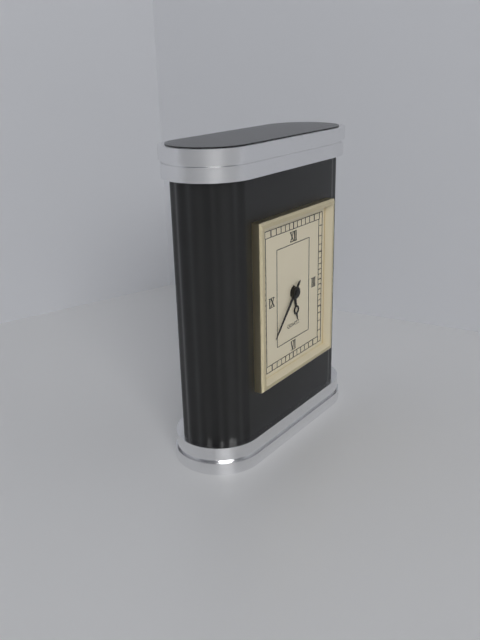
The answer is 5:37
